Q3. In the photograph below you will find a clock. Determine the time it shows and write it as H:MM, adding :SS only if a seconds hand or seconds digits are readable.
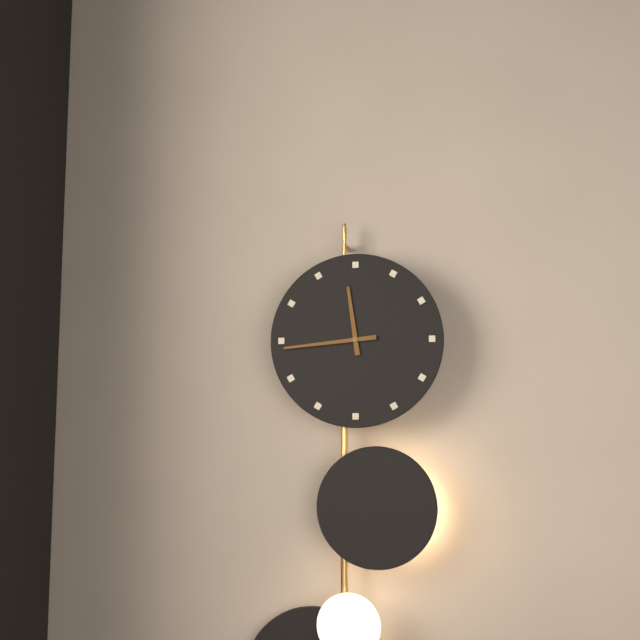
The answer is 11:44
